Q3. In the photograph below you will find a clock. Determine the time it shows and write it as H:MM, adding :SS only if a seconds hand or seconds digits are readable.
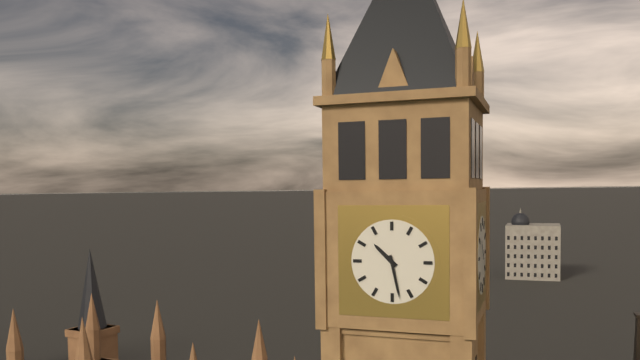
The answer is 10:28
